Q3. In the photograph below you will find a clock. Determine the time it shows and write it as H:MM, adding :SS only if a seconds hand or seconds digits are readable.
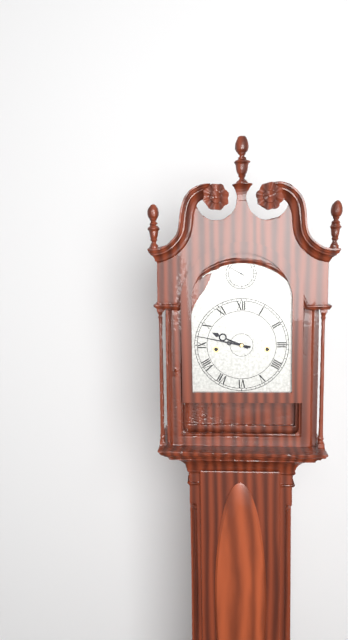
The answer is 9:47
